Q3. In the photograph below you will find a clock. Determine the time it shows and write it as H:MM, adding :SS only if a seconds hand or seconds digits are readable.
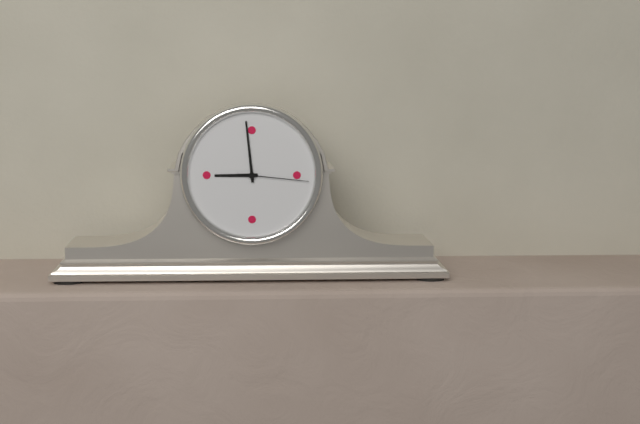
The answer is 8:59:16
